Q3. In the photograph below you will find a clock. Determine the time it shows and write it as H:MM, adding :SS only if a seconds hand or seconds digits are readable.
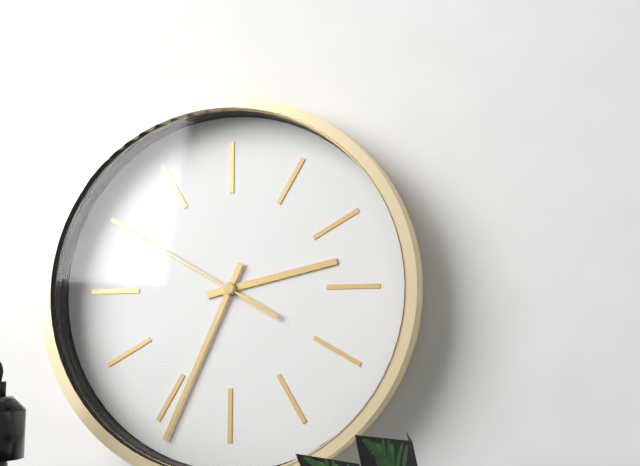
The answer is 2:34:50
